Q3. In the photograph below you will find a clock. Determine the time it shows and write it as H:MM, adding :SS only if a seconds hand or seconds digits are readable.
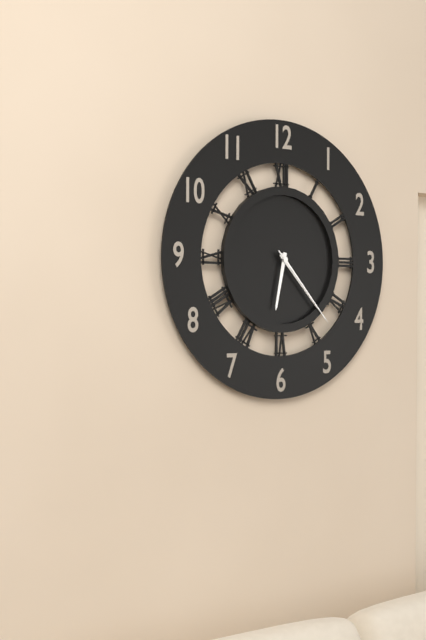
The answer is 6:23:23
